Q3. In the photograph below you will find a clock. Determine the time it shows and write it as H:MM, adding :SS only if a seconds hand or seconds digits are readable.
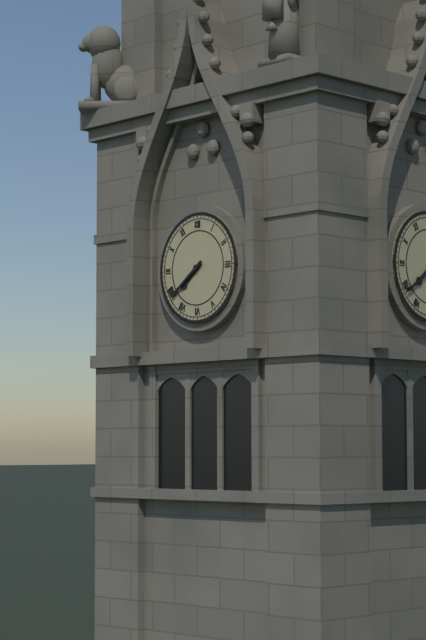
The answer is 7:39
